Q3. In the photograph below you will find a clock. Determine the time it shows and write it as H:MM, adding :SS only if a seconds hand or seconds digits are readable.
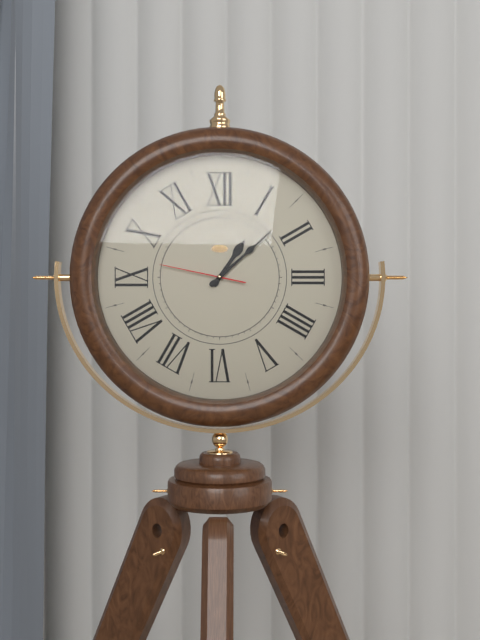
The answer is 1:08:47
